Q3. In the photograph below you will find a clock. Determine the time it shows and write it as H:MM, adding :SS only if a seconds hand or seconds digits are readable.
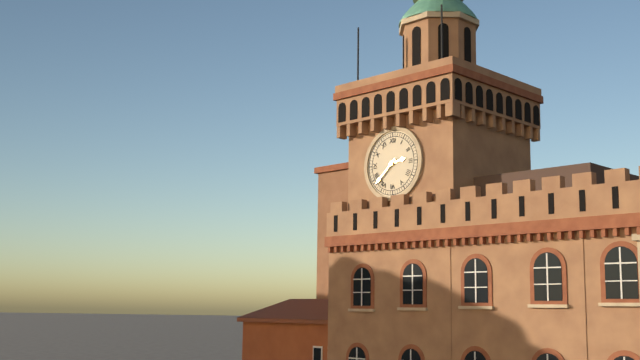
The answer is 2:38
